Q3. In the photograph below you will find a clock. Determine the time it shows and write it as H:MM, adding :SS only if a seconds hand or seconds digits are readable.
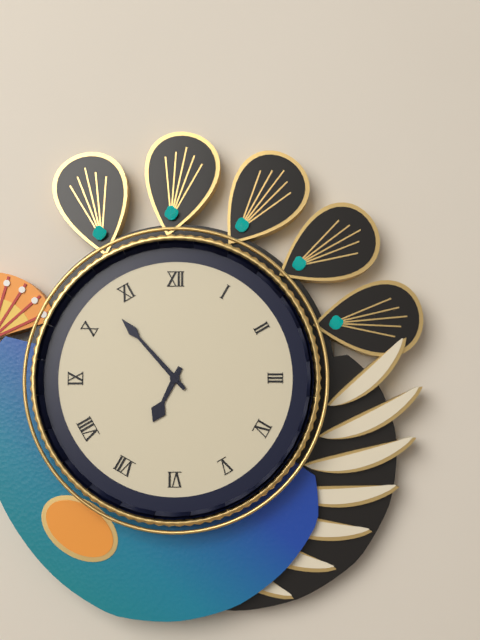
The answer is 6:53
